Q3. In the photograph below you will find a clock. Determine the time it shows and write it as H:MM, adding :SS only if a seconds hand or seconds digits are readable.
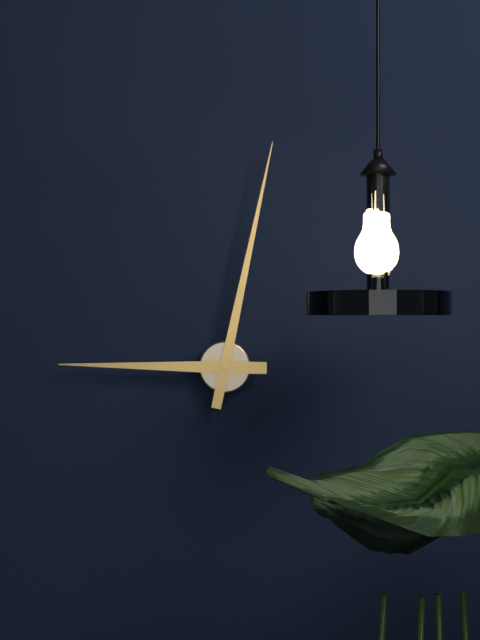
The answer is 9:02
